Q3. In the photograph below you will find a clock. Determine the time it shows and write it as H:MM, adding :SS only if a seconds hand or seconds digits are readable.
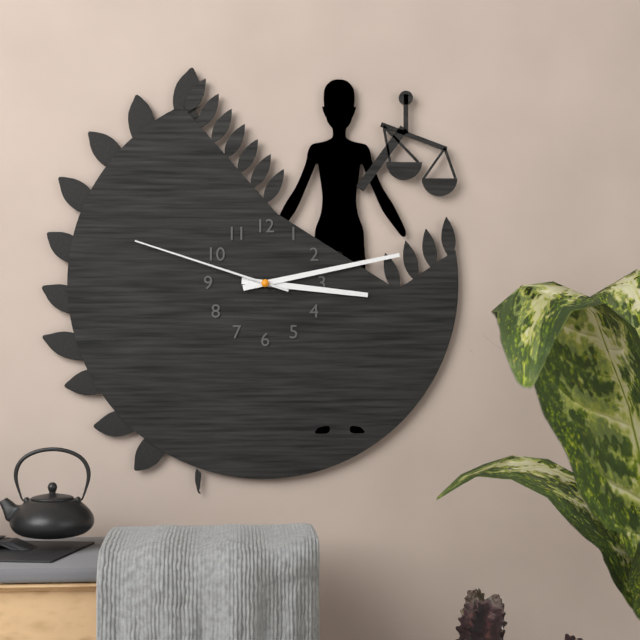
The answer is 3:13:48
